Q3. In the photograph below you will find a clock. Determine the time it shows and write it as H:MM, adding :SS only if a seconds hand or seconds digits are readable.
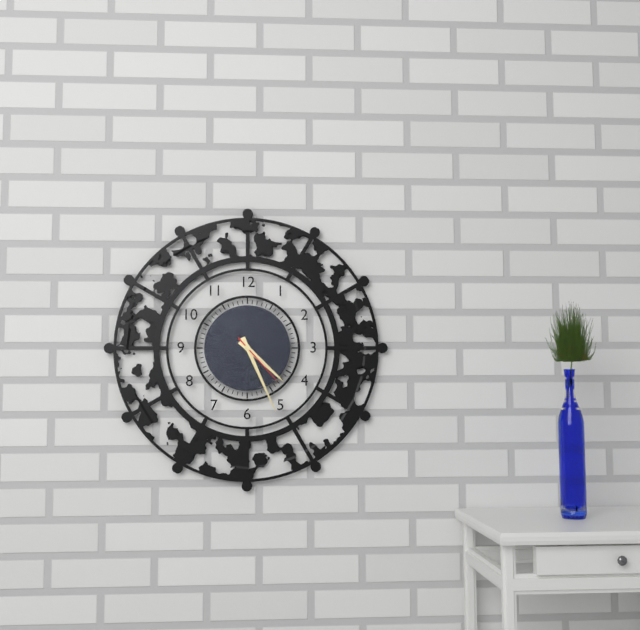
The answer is 4:26:23
